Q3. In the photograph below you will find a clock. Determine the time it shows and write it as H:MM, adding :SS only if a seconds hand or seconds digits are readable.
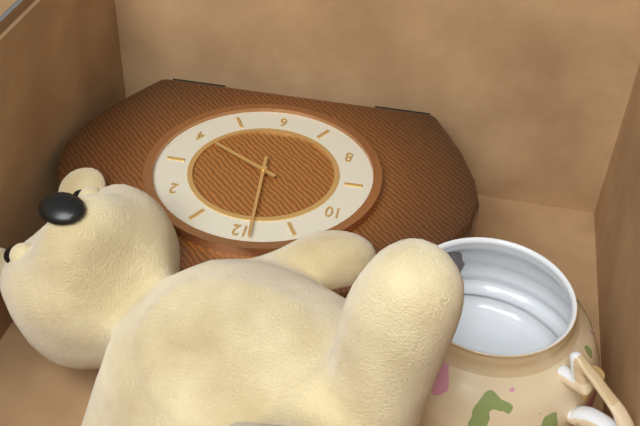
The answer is 3:59
